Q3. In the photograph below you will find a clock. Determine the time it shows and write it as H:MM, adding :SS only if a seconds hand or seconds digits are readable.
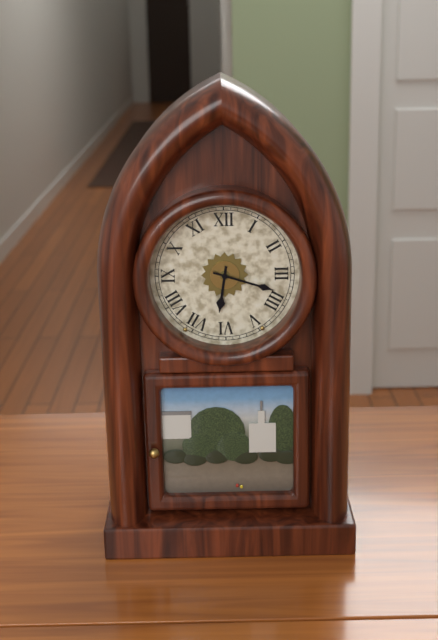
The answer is 6:18
